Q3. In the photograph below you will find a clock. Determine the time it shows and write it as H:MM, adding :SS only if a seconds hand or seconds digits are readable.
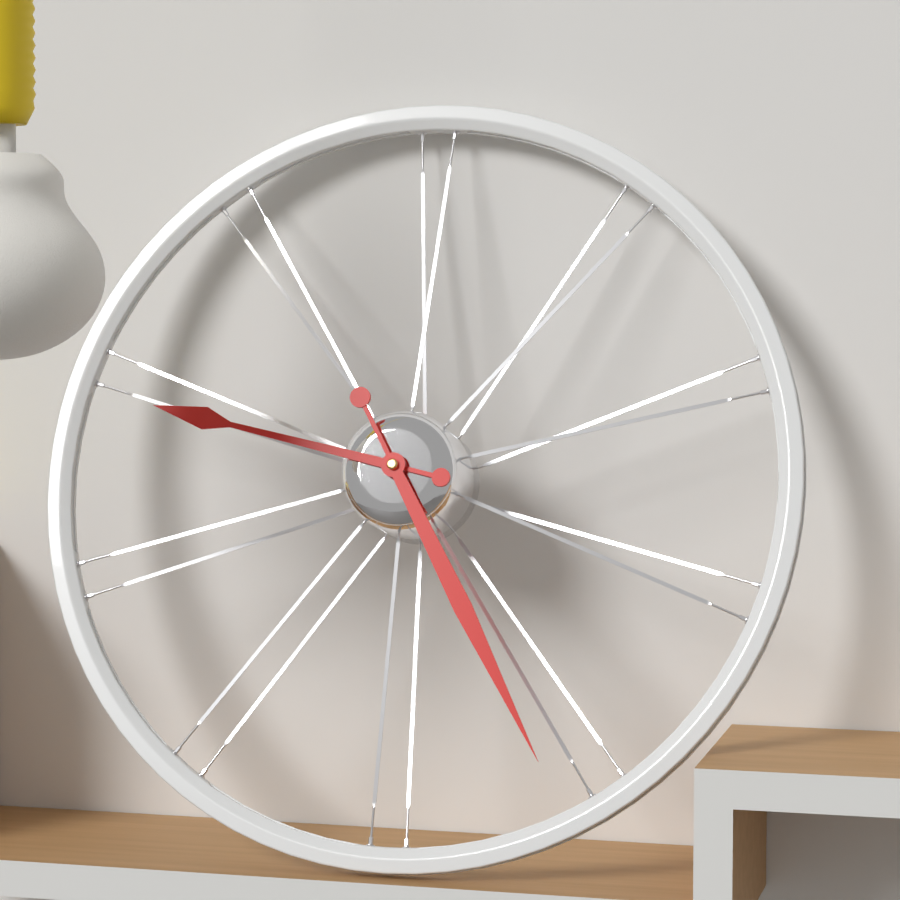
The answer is 9:25
